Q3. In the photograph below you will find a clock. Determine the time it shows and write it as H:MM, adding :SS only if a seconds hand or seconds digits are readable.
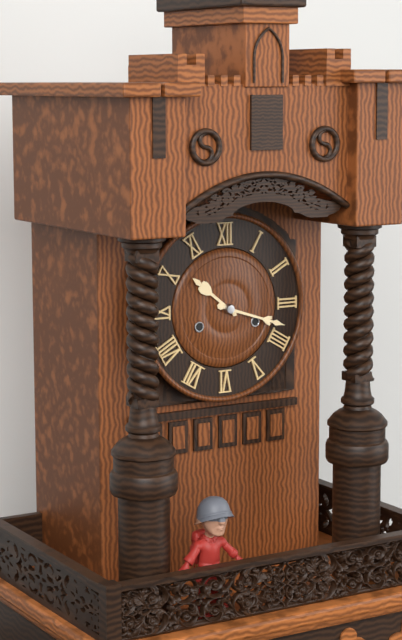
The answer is 10:18
